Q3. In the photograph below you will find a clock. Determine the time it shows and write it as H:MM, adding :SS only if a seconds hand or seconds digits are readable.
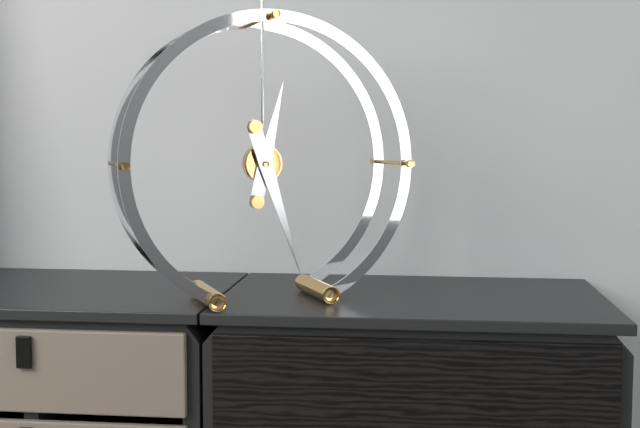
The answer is 12:27
